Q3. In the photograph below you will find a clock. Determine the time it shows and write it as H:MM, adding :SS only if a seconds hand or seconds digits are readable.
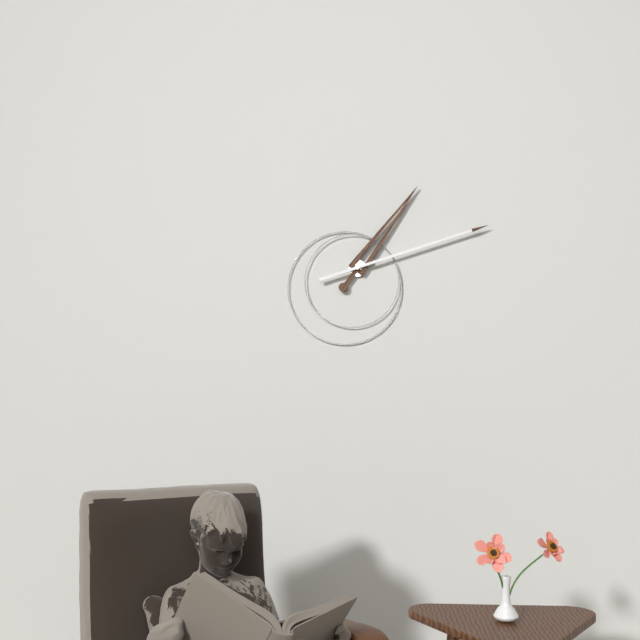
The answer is 1:12
